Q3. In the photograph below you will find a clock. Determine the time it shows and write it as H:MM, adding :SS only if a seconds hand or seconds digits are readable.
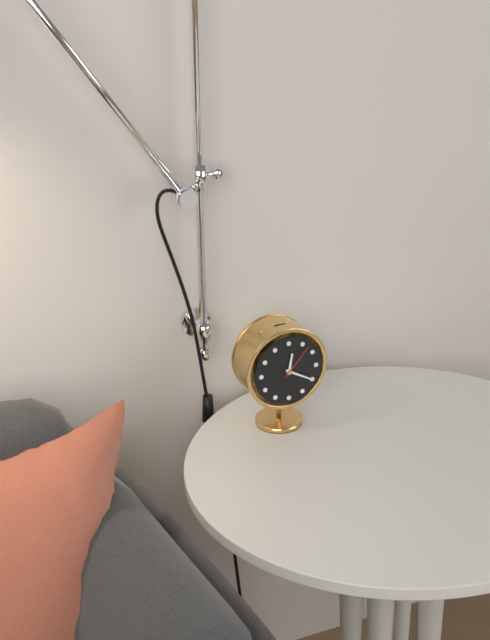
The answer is 12:20
